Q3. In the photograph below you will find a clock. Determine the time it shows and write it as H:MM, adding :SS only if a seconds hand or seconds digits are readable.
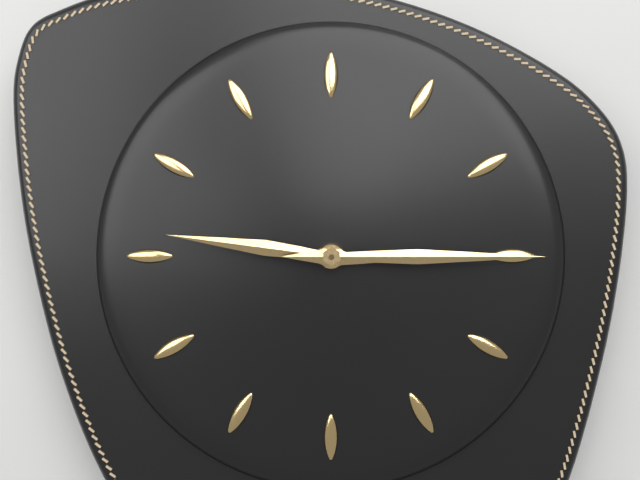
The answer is 9:15
